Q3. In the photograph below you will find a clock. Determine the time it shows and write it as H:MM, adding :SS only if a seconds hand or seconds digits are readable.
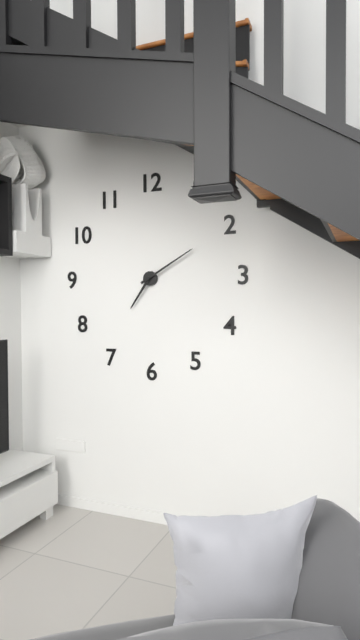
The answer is 7:10
